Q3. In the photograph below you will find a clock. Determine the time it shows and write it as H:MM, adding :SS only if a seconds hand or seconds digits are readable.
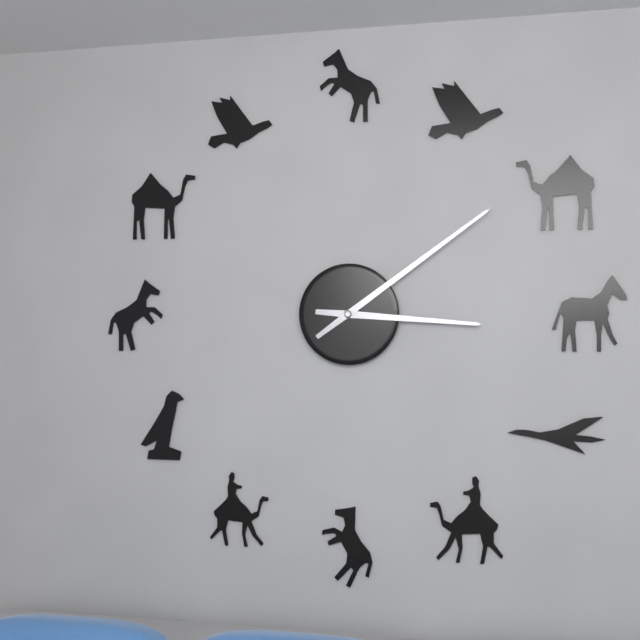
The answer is 3:09
